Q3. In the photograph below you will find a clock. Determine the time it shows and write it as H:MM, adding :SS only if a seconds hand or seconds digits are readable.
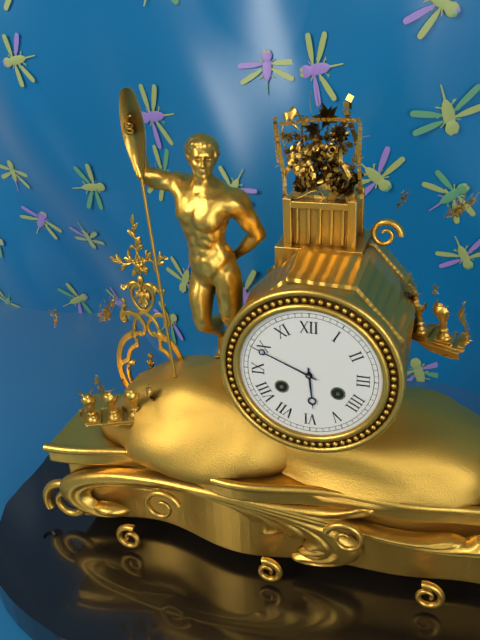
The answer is 5:49
